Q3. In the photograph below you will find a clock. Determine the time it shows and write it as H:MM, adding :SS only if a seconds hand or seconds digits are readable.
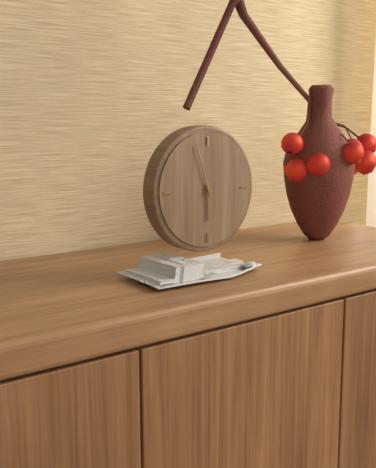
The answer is 5:57
